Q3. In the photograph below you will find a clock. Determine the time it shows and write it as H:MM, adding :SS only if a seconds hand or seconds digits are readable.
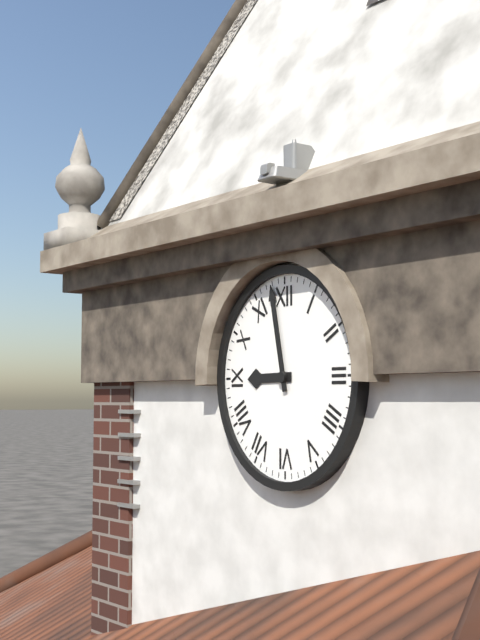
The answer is 8:58
